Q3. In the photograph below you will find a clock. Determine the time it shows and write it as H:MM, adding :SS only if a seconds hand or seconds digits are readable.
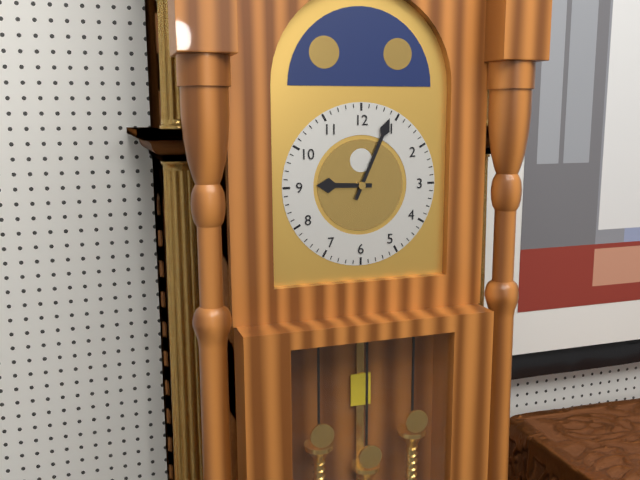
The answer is 9:04
